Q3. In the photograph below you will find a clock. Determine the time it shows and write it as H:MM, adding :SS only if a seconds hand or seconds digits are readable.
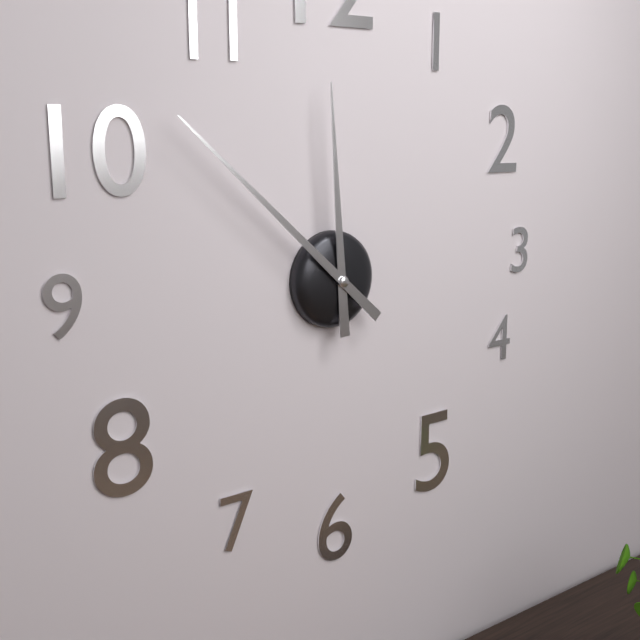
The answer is 11:52
